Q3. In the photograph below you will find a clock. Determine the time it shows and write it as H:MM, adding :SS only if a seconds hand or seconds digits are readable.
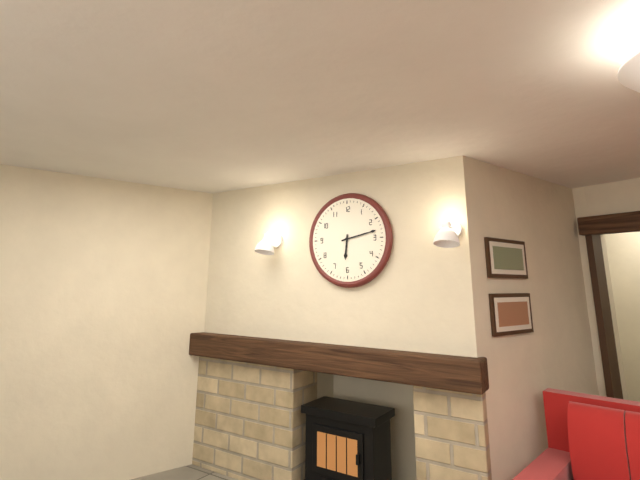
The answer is 6:13
